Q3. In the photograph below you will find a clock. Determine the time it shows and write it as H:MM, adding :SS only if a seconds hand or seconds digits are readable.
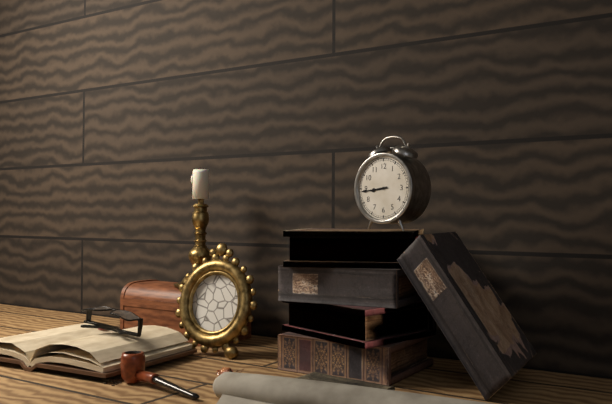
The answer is 8:44
